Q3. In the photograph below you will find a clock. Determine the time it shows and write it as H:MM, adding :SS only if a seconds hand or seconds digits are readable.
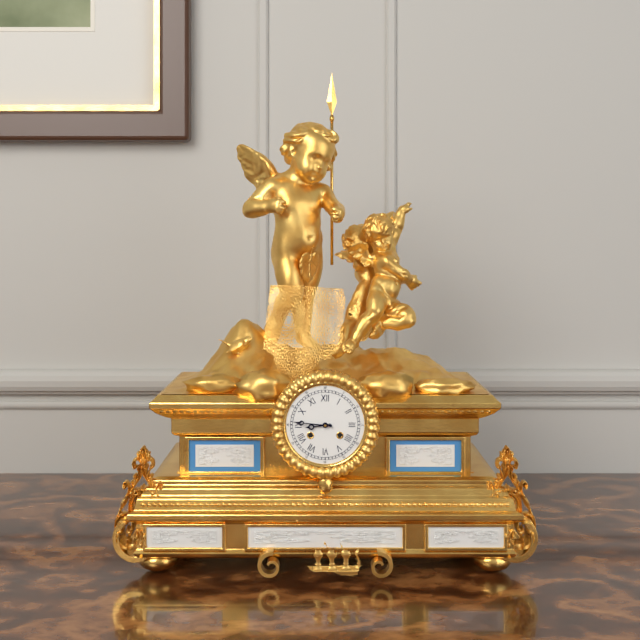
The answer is 8:46
